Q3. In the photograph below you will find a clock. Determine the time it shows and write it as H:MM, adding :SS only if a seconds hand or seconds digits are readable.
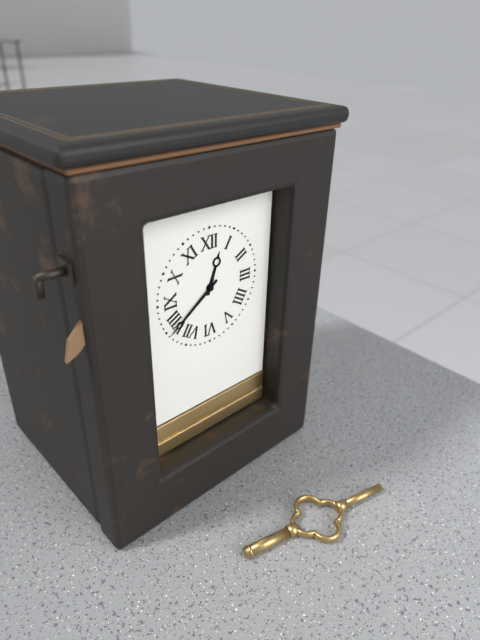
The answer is 12:39
